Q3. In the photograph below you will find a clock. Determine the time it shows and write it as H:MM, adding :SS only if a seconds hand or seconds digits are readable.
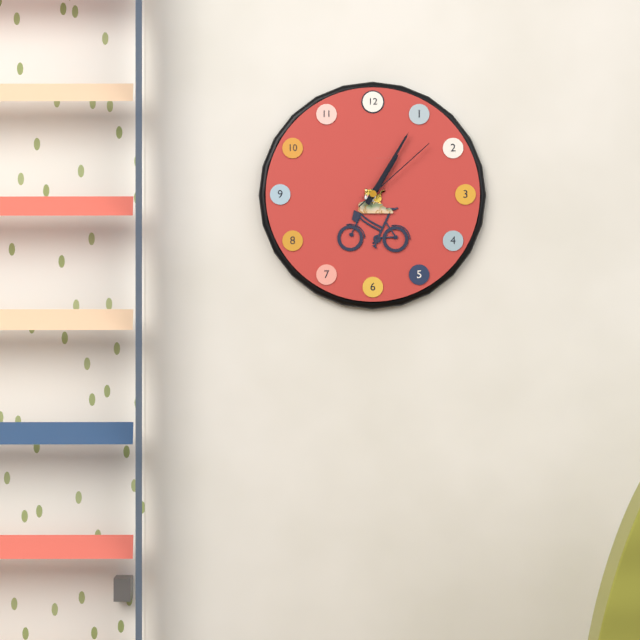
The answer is 1:05:08
